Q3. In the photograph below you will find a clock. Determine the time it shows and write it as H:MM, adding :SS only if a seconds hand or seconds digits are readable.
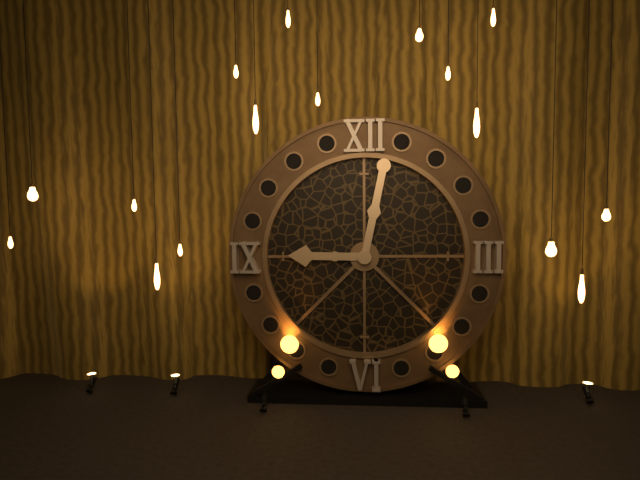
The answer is 9:02
